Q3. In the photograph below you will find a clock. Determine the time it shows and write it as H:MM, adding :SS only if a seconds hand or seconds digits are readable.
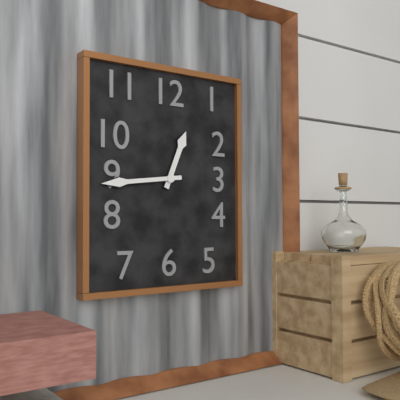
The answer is 12:44
